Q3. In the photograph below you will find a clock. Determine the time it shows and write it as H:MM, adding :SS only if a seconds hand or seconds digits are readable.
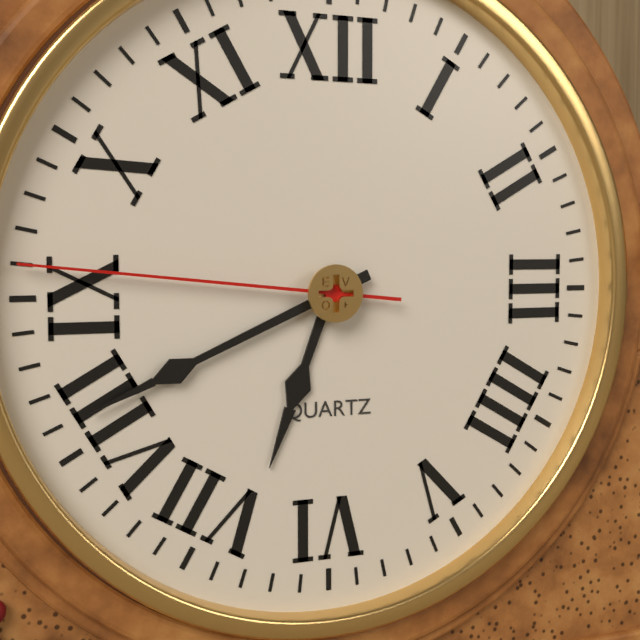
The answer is 6:41:46
